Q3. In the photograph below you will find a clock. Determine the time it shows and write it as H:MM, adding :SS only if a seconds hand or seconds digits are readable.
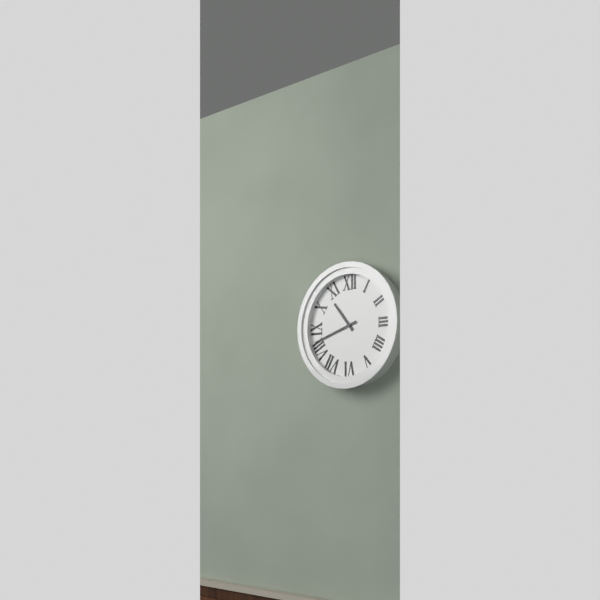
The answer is 10:42
